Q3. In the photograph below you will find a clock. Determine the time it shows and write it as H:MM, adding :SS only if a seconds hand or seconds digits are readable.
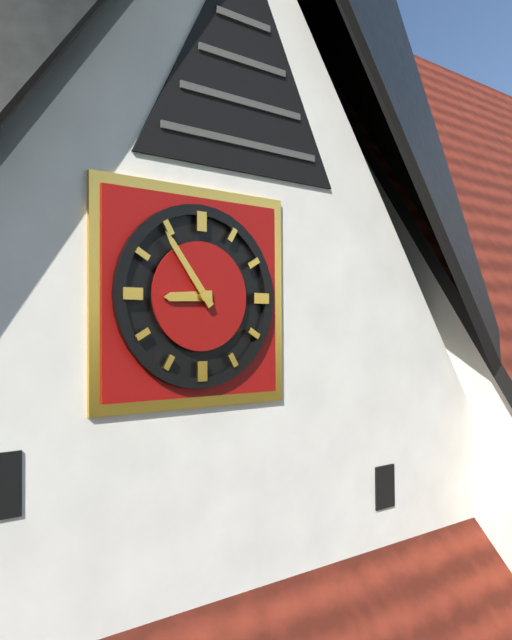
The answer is 8:54
